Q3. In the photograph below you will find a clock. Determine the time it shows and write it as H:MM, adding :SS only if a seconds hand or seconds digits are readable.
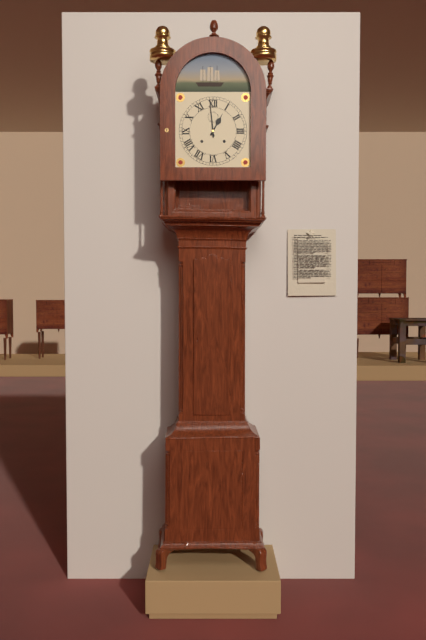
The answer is 12:59
